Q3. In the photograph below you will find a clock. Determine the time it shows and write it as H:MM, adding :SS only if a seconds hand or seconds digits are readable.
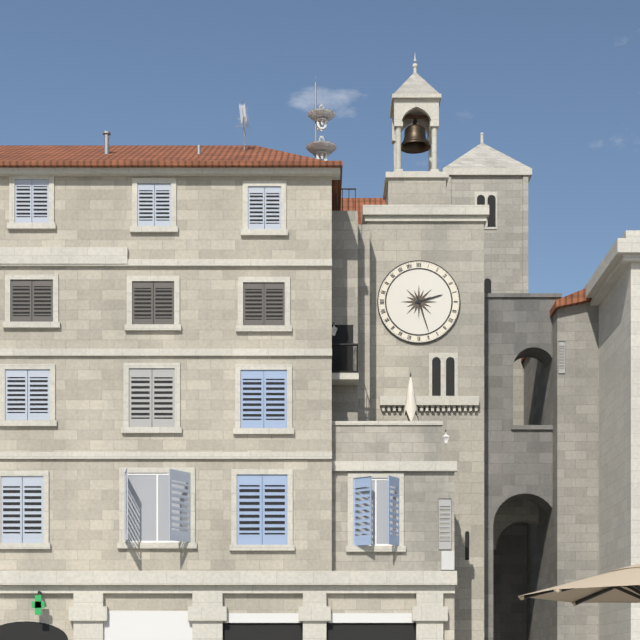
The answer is 2:27
